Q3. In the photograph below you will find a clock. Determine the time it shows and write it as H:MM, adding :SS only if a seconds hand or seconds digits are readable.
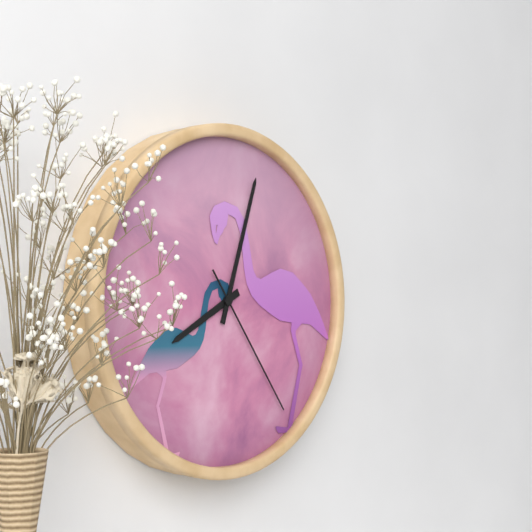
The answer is 8:03:24
